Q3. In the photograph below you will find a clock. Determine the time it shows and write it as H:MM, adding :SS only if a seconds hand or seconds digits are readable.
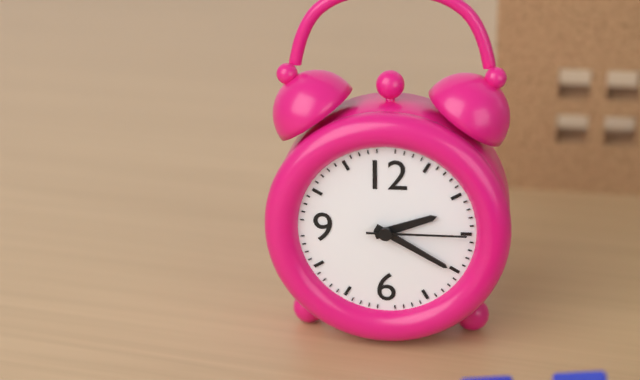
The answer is 2:20:15
